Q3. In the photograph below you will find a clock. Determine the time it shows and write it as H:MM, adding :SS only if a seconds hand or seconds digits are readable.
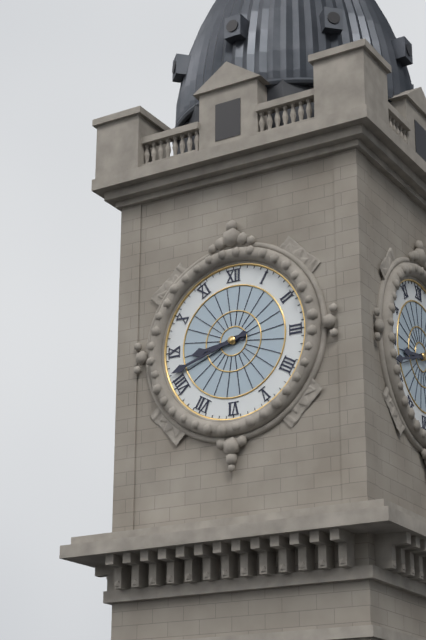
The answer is 8:42
